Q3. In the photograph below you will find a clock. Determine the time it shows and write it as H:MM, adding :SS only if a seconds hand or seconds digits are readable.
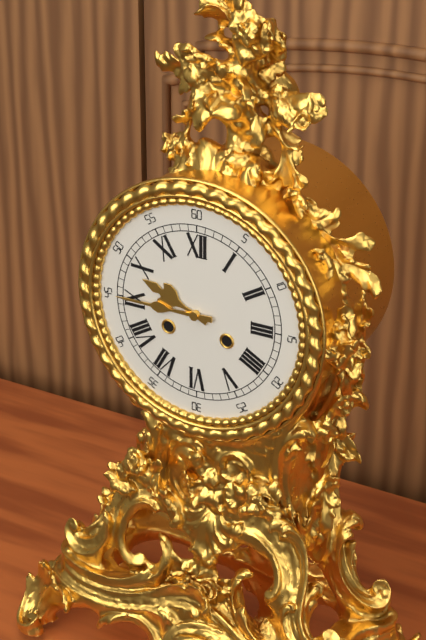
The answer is 9:45
